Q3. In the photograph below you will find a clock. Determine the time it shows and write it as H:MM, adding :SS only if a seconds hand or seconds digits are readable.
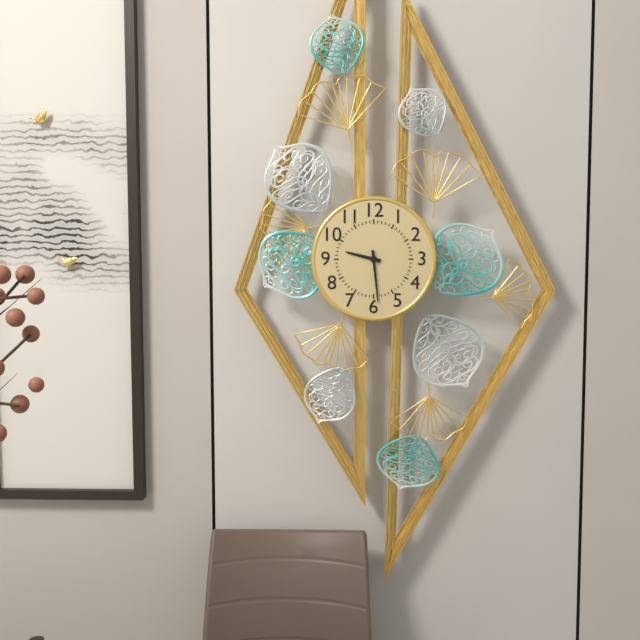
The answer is 9:29
